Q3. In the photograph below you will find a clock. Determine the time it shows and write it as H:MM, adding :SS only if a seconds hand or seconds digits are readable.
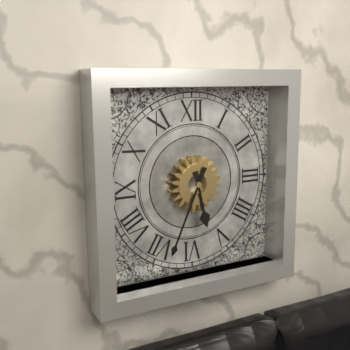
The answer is 5:34
